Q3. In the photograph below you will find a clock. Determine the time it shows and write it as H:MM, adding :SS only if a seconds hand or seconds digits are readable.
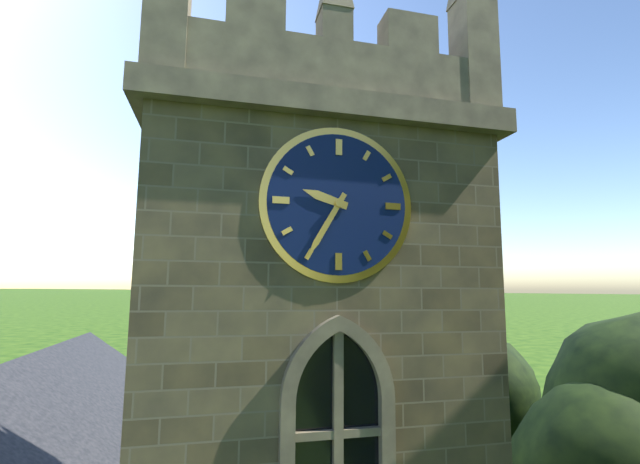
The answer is 9:35
